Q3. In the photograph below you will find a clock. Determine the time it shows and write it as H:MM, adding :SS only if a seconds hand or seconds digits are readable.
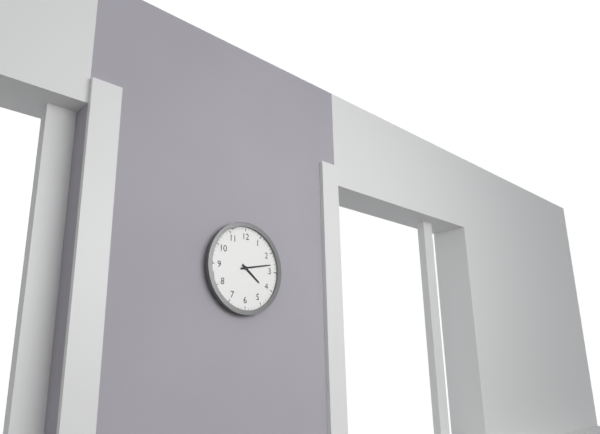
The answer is 4:13
